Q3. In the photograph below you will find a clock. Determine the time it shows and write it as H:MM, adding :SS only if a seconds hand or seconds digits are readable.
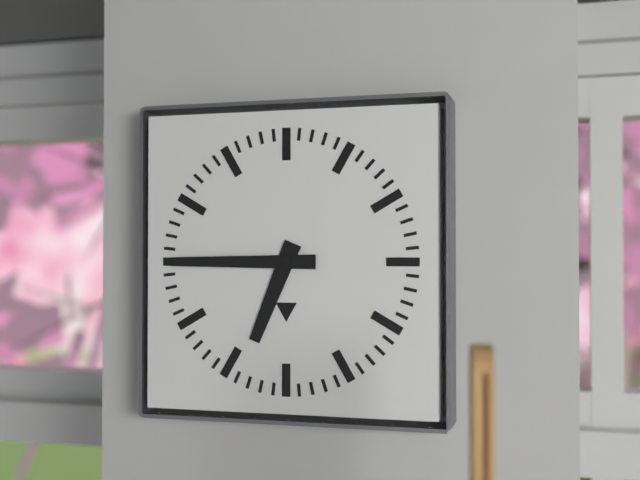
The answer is 6:45
